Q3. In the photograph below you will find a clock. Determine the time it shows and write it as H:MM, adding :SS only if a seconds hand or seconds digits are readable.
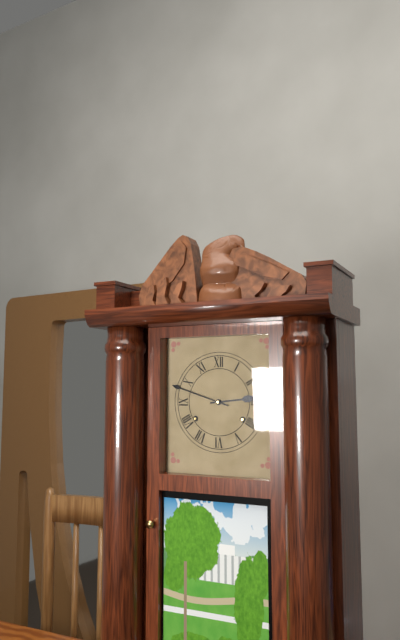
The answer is 2:48
